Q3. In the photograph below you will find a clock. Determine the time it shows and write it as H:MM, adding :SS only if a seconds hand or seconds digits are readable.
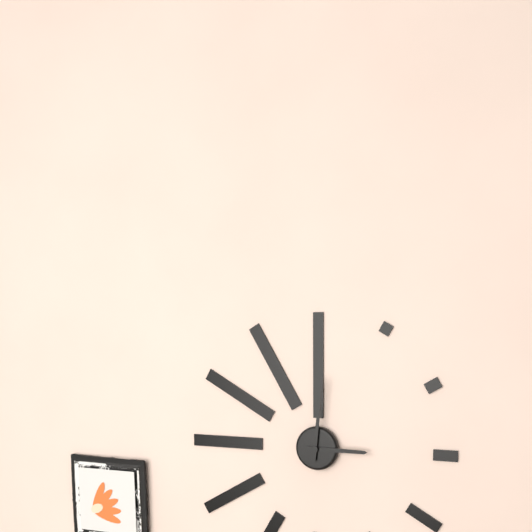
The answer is 3:01
